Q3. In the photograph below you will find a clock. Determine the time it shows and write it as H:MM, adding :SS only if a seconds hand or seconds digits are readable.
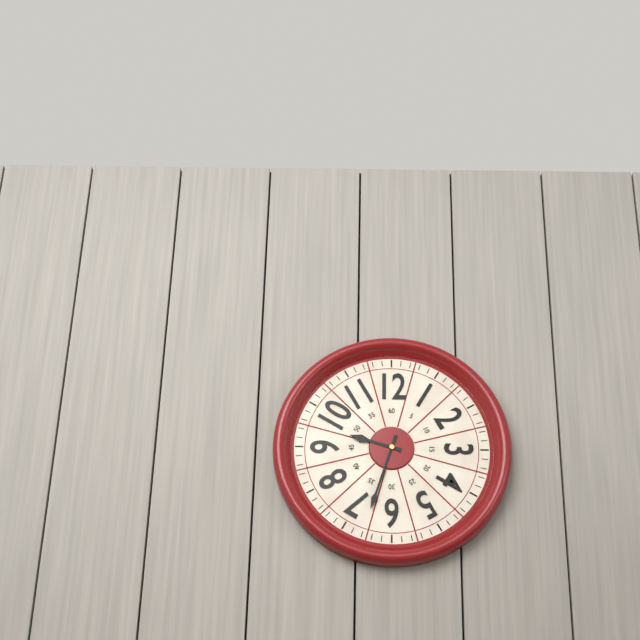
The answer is 9:33
